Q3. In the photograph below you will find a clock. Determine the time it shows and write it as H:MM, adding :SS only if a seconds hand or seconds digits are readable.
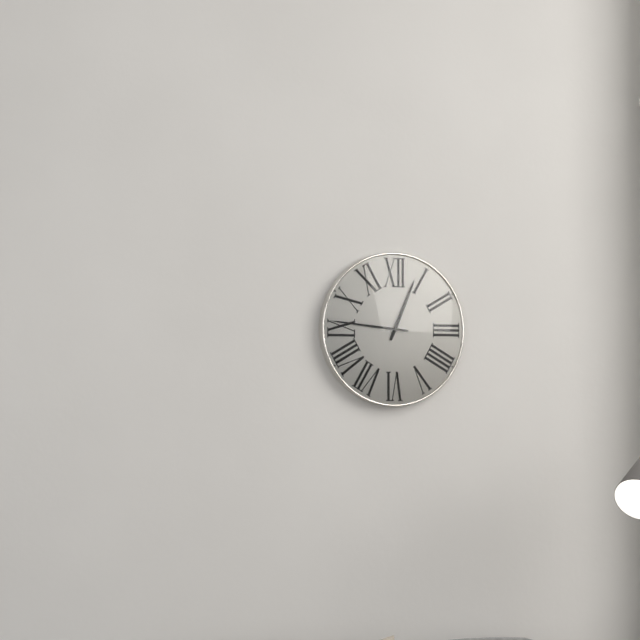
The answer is 12:46
